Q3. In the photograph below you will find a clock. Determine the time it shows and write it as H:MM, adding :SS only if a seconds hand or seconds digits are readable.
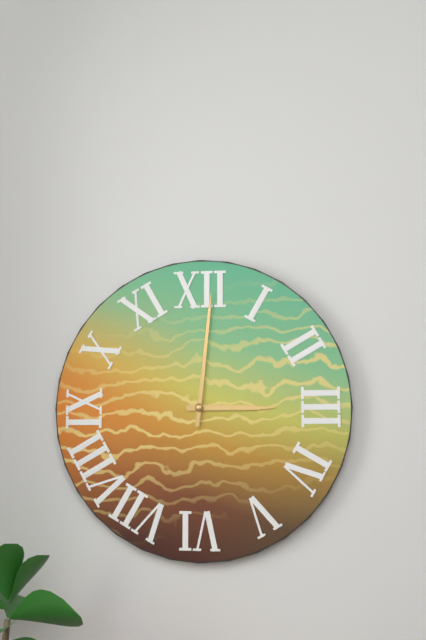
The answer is 3:01
